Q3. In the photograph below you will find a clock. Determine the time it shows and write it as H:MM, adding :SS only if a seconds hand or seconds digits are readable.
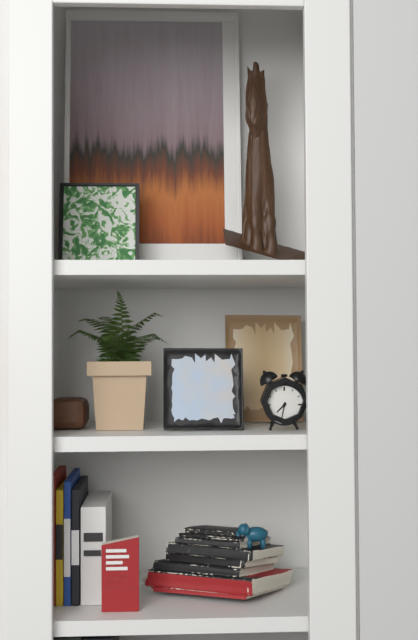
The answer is 7:32
